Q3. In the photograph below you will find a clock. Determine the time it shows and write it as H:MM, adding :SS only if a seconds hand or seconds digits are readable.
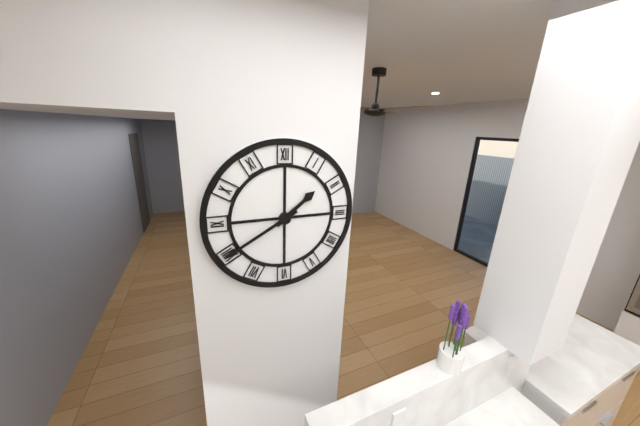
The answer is 1:40
